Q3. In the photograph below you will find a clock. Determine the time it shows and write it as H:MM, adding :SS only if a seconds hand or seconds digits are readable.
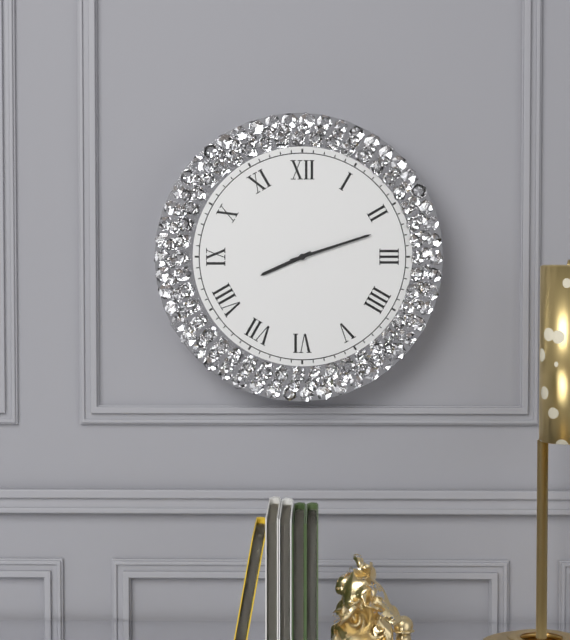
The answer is 8:12
